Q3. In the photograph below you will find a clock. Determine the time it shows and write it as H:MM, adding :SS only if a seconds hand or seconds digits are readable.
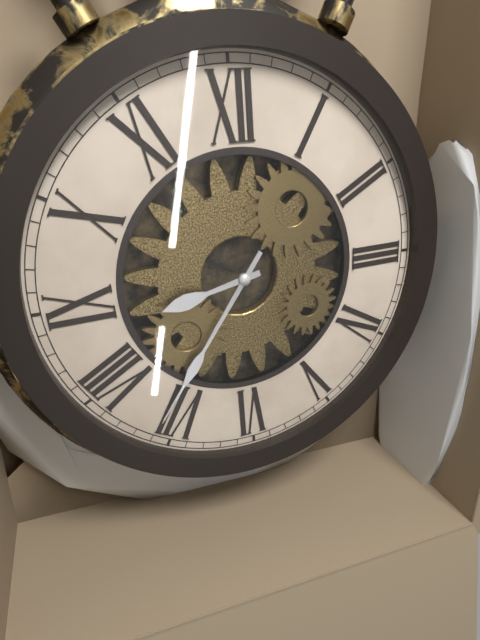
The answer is 8:36
